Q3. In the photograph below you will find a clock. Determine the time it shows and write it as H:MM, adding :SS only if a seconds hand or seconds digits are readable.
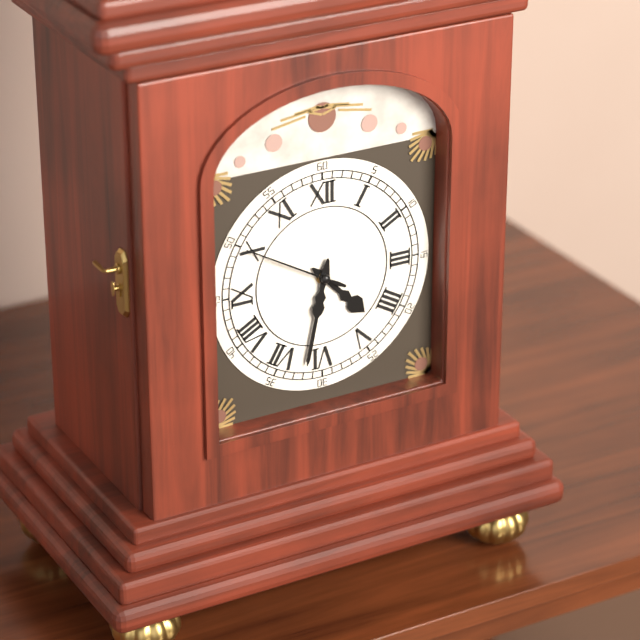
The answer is 4:32:50
